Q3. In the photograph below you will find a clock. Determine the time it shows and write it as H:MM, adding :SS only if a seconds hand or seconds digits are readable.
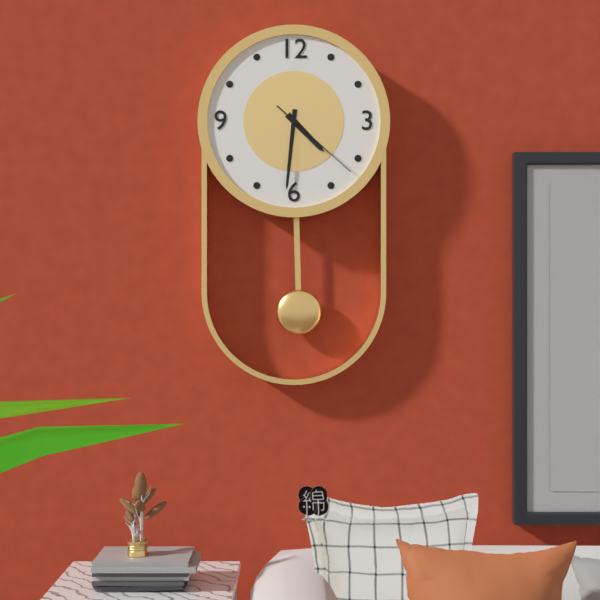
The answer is 4:31:22
